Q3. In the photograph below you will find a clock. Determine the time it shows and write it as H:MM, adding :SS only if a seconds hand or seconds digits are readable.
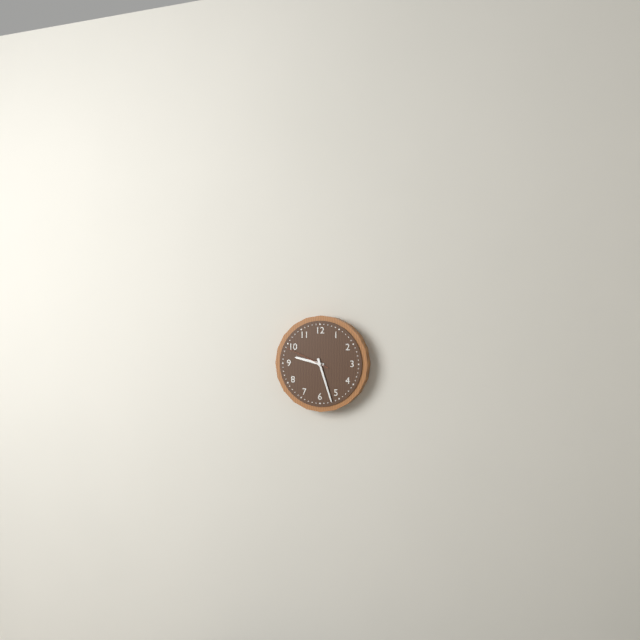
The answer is 9:27
